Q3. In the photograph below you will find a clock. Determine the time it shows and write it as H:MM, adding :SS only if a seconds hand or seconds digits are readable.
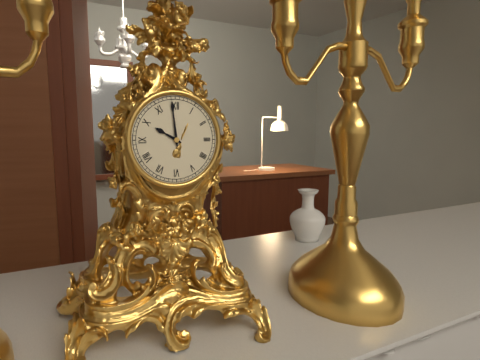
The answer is 9:59
